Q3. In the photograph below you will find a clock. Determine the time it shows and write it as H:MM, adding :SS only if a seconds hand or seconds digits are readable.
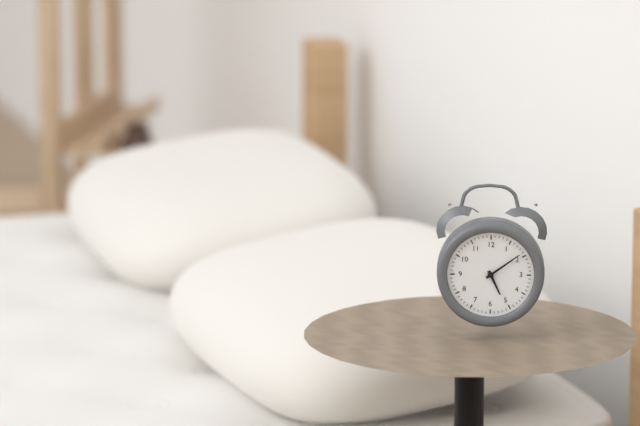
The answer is 5:09
